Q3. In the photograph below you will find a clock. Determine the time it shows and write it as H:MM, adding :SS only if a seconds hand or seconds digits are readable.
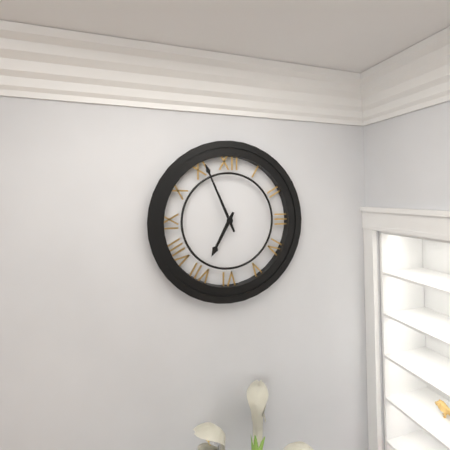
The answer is 6:56
